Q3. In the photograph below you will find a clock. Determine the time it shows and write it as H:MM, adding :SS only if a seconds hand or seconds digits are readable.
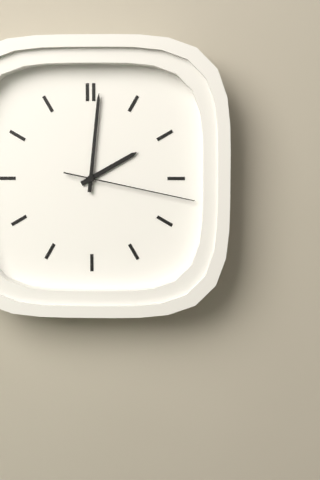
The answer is 2:01:17
